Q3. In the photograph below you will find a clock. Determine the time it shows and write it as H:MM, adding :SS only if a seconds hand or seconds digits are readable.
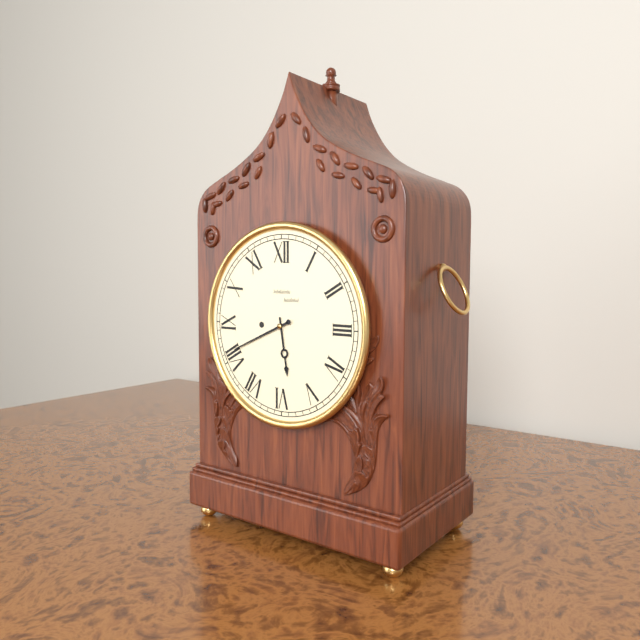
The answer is 5:41
